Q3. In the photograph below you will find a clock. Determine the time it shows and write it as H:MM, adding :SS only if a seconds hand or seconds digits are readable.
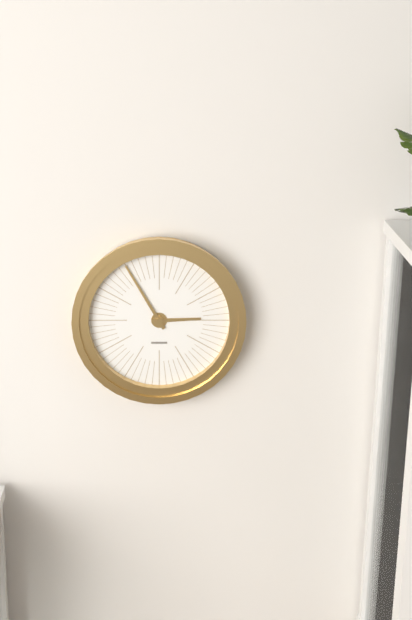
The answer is 2:55
